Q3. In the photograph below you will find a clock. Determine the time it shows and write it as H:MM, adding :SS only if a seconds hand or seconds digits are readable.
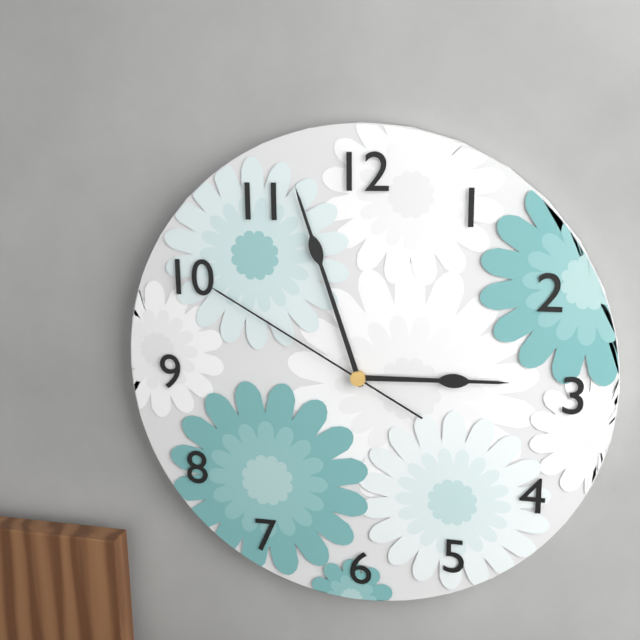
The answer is 2:57:50
